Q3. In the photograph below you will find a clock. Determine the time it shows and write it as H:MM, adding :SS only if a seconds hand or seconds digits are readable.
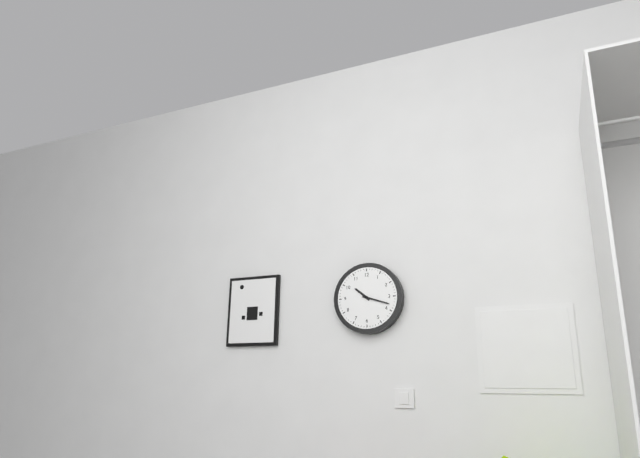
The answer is 10:18
